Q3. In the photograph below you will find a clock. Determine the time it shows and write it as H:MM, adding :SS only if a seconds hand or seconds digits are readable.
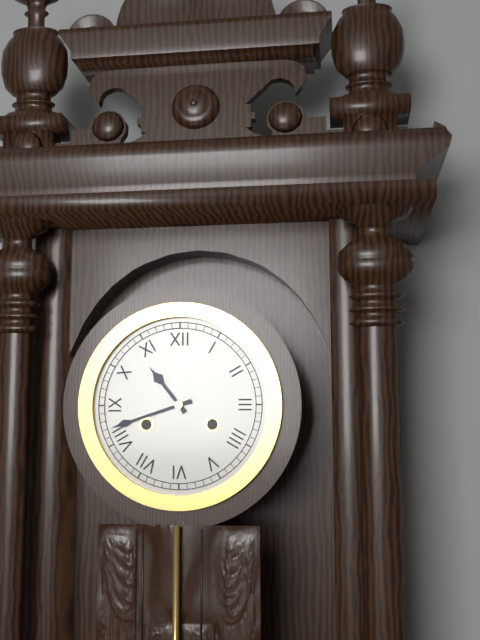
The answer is 10:42
